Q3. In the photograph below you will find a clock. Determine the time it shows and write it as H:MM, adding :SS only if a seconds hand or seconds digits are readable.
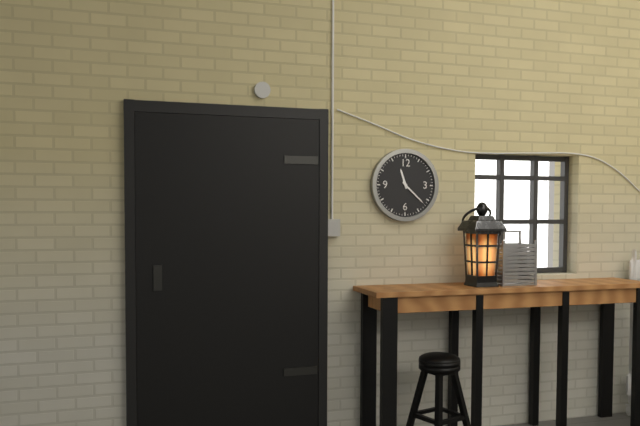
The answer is 11:22
